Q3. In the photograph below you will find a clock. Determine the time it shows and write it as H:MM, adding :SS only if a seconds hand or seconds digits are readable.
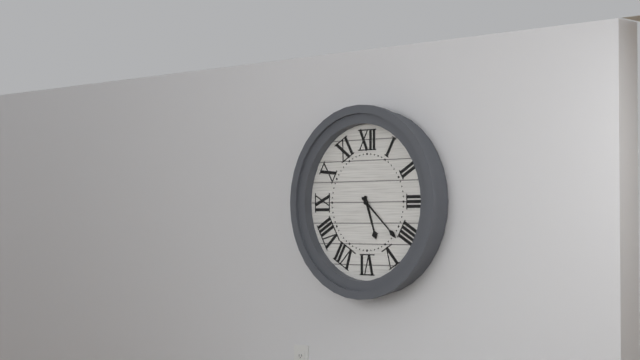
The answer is 5:22
